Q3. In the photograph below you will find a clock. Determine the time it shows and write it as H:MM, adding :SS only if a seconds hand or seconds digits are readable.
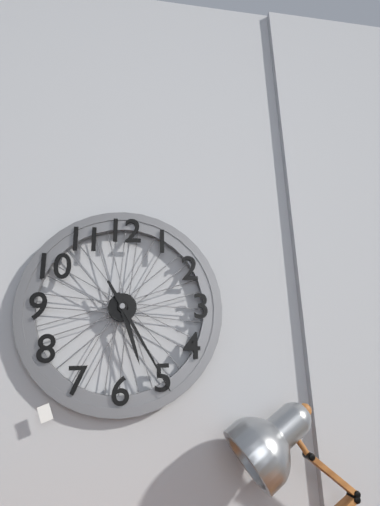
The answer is 5:25
